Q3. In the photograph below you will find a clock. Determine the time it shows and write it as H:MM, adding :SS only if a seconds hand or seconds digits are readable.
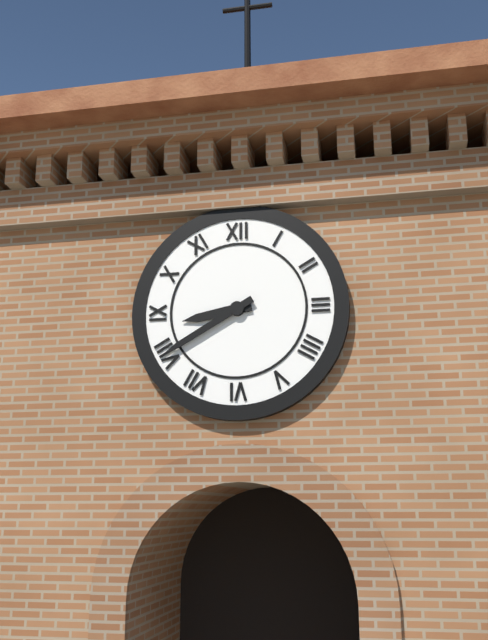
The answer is 8:40
